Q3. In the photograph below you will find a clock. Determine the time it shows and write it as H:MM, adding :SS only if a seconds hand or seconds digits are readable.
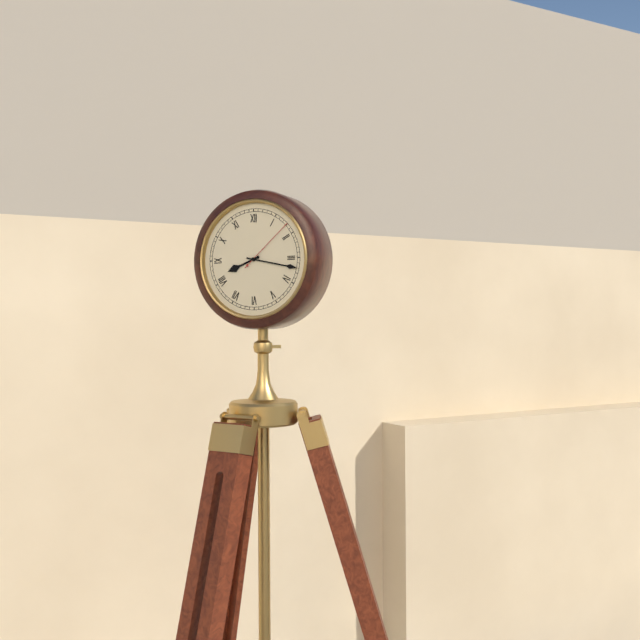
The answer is 8:17:08
